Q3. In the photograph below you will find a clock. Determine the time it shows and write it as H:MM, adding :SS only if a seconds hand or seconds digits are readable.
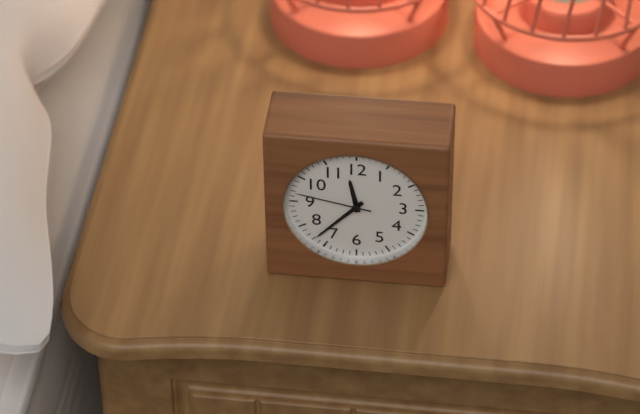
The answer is 11:37:47
